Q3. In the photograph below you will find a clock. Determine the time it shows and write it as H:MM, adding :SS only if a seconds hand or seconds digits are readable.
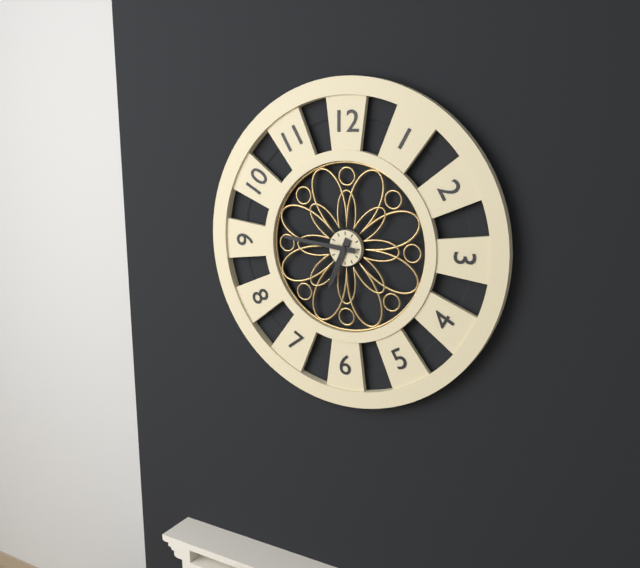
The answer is 6:46
